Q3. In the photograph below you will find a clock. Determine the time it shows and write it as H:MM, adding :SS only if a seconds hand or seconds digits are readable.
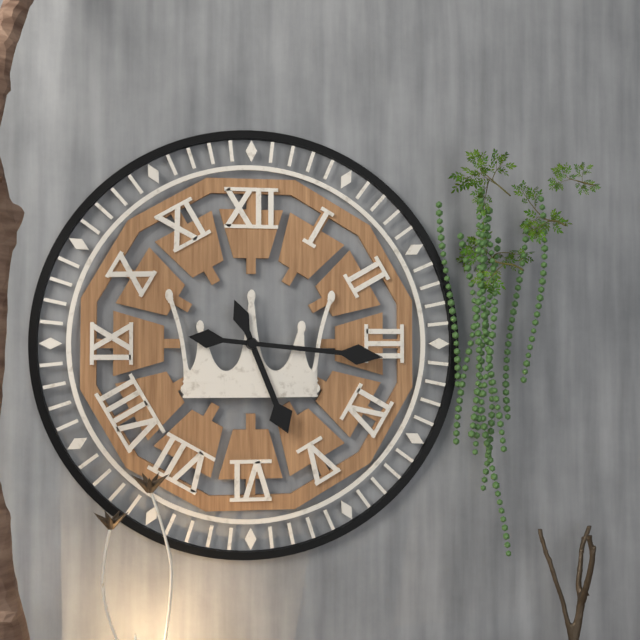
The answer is 5:16
